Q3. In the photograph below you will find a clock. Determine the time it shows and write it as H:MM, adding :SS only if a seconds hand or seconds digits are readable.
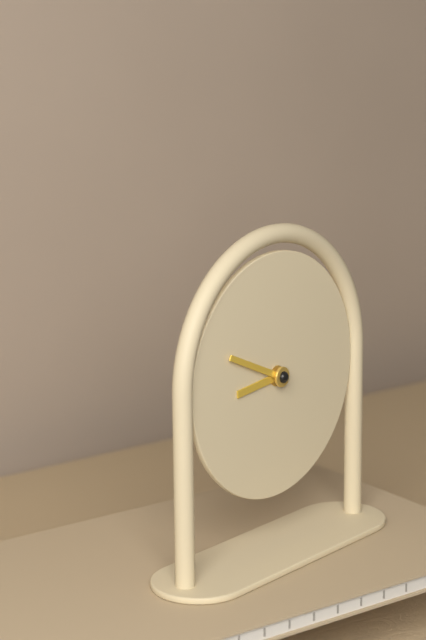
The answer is 8:49
